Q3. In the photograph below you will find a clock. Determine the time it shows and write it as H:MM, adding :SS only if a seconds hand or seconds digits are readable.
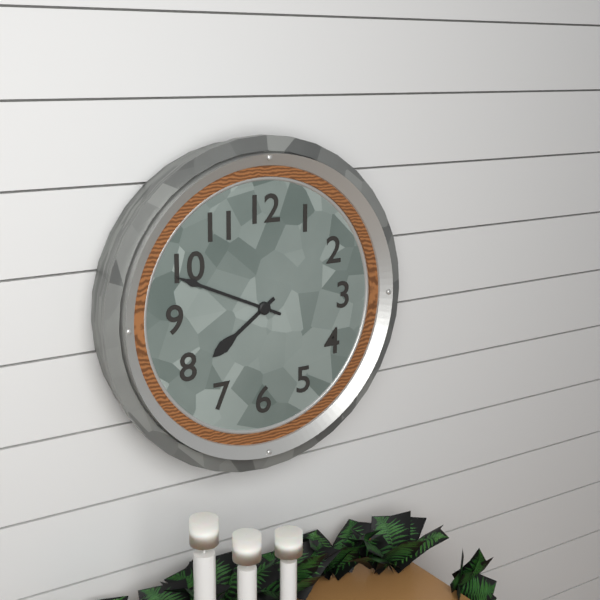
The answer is 7:49
